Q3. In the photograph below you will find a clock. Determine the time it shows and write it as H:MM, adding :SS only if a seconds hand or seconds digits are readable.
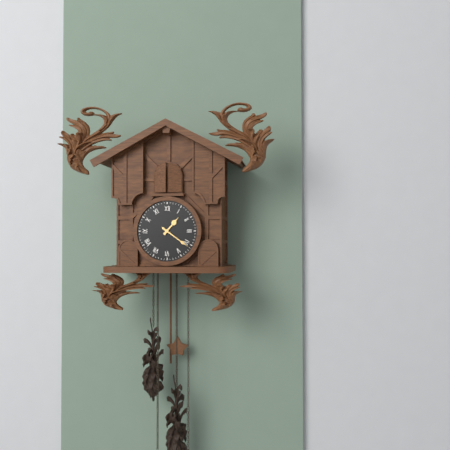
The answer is 1:21
